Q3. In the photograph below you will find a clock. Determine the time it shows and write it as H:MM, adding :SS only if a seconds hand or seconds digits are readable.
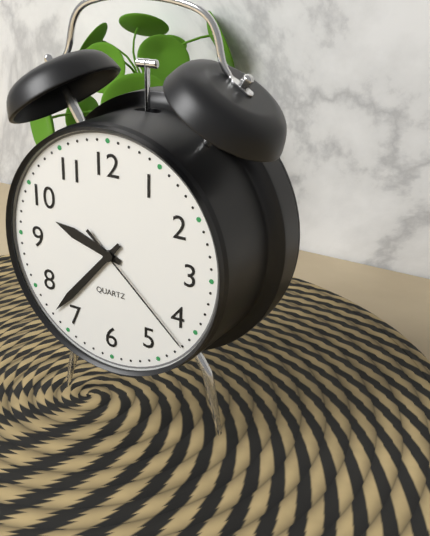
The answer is 9:37:22
